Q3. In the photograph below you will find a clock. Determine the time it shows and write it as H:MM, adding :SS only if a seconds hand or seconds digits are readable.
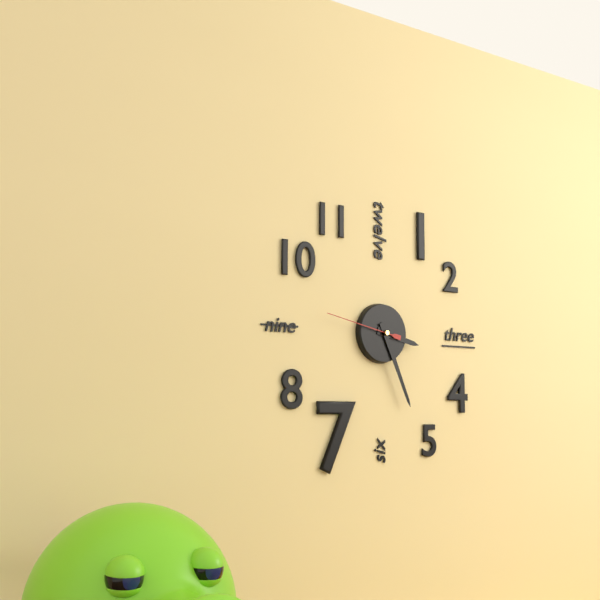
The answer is 3:26:47
